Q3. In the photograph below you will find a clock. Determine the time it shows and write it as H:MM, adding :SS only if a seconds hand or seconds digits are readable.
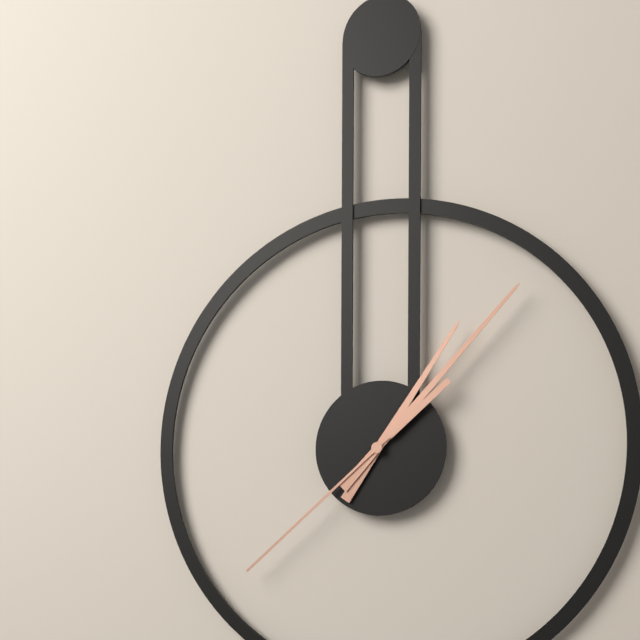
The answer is 1:07:38
